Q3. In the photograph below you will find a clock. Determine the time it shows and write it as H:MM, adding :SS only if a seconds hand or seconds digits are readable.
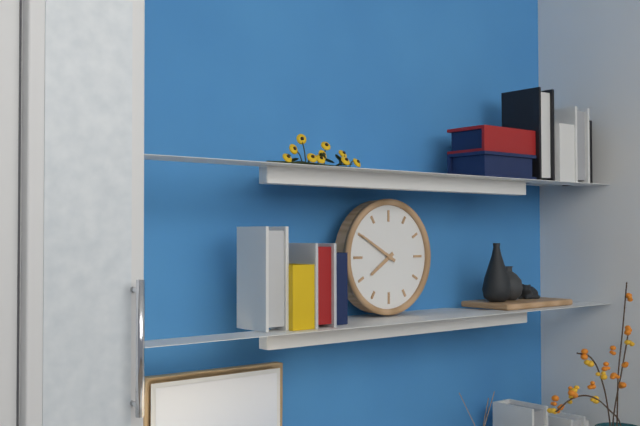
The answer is 7:50
